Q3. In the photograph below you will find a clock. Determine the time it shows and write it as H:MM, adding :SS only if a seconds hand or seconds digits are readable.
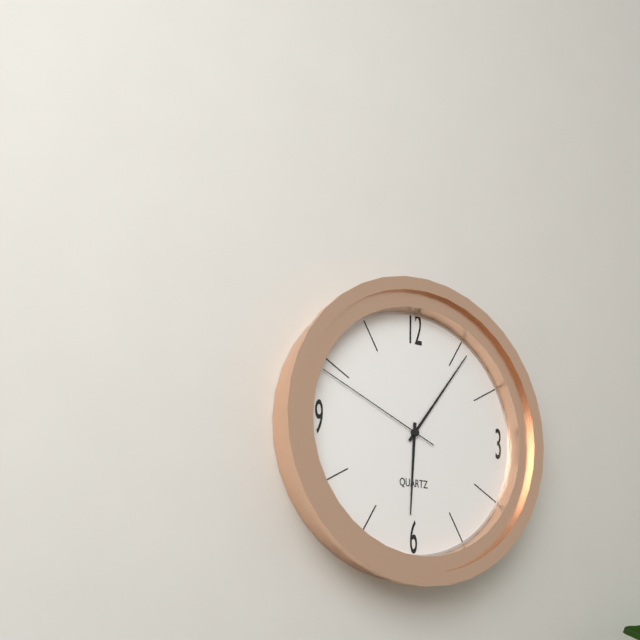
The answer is 6:06:49
